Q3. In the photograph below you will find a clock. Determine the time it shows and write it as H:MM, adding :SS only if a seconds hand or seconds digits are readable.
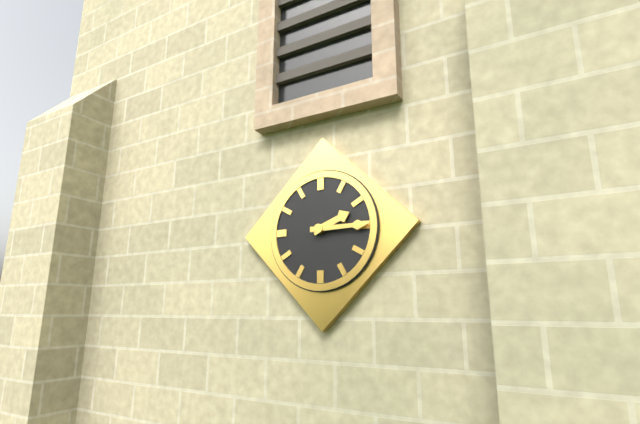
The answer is 2:15
